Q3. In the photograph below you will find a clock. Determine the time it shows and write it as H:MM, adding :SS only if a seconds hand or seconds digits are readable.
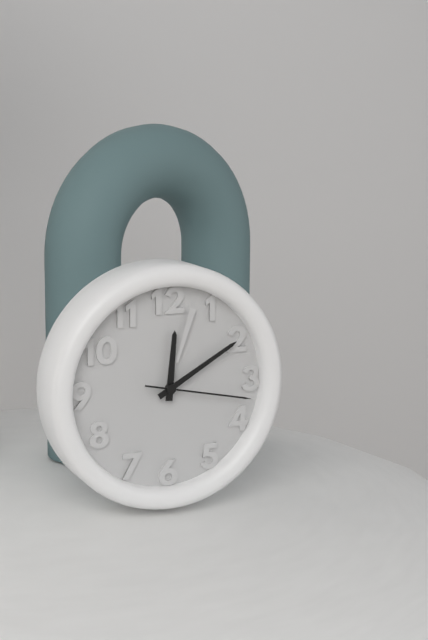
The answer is 12:10:17
